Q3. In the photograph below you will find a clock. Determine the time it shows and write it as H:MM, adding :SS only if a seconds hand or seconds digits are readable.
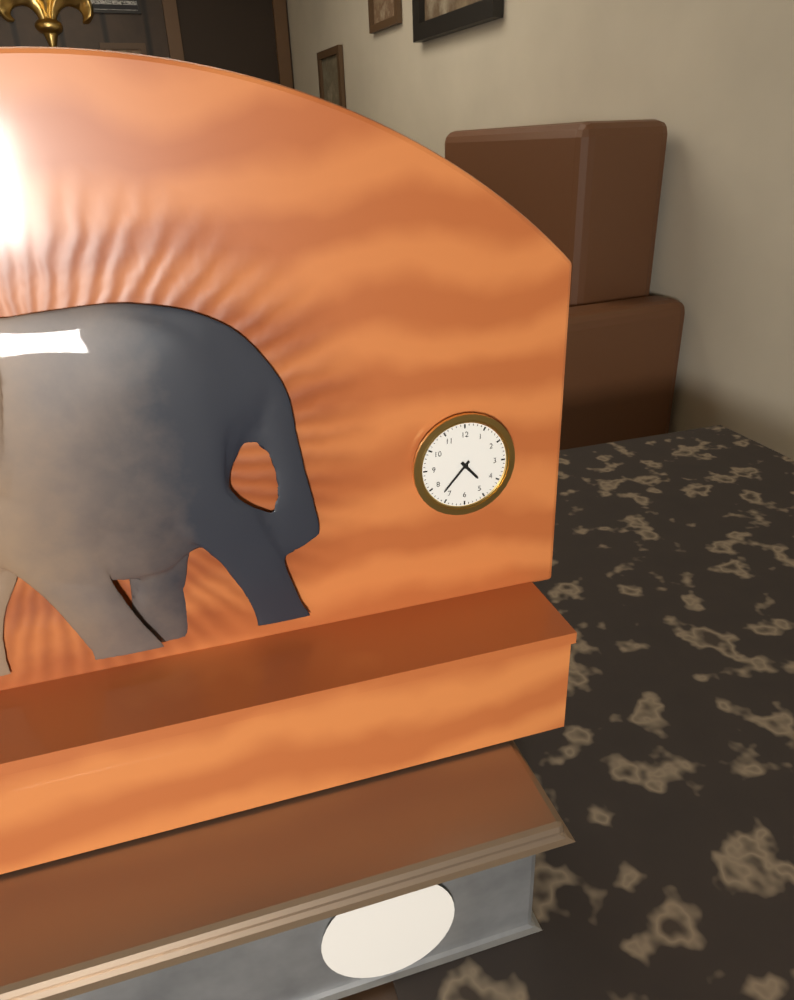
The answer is 4:37
